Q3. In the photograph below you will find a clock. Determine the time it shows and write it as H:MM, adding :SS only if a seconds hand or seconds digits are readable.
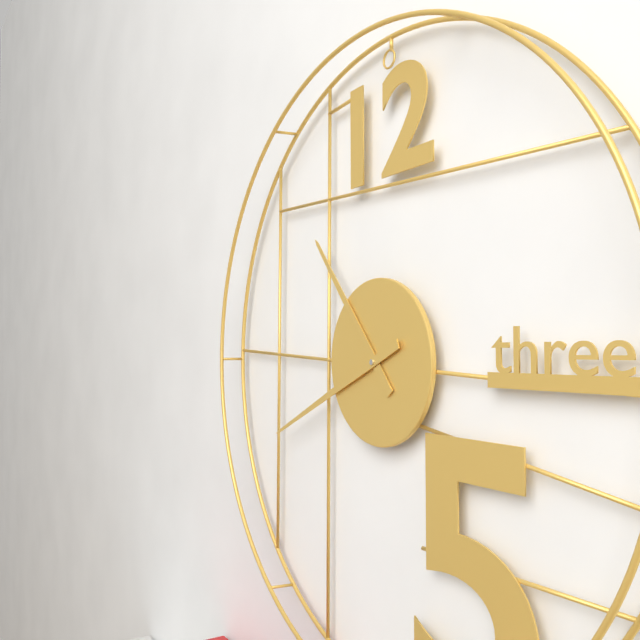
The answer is 10:41
